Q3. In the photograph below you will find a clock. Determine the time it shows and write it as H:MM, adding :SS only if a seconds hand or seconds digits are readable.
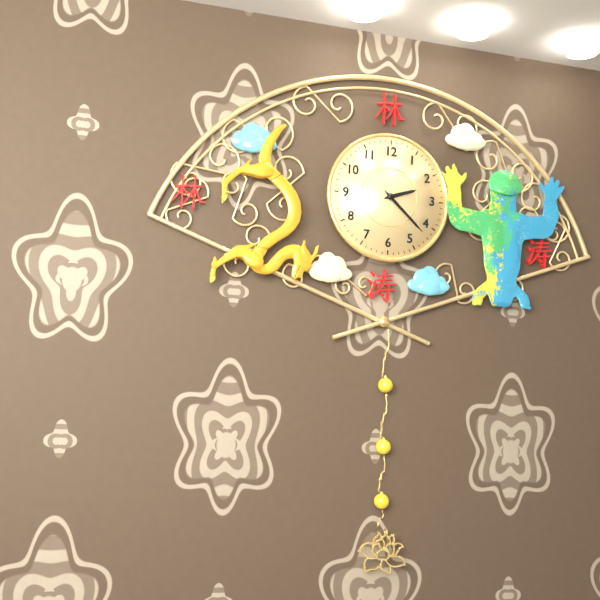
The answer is 2:22
